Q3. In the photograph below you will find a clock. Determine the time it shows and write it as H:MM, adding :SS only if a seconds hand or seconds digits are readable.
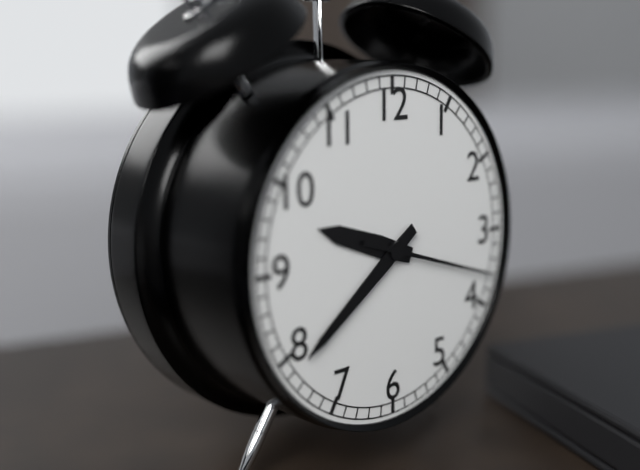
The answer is 9:39:18
